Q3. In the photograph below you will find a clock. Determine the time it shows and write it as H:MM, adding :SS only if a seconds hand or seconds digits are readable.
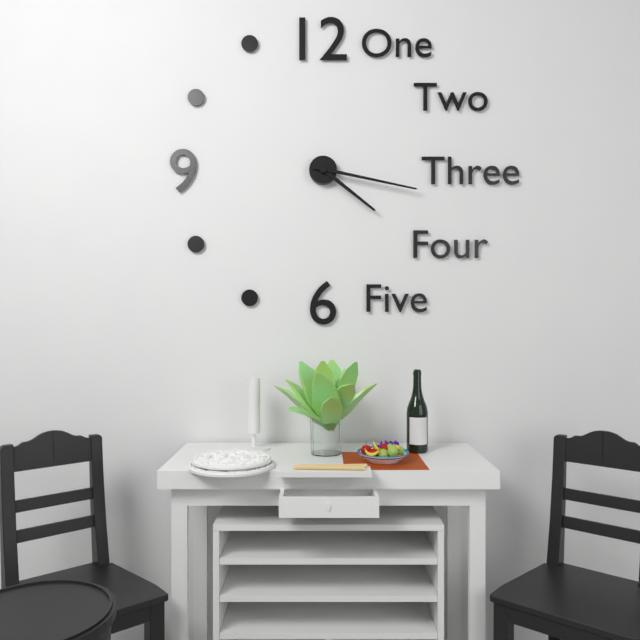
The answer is 4:17
